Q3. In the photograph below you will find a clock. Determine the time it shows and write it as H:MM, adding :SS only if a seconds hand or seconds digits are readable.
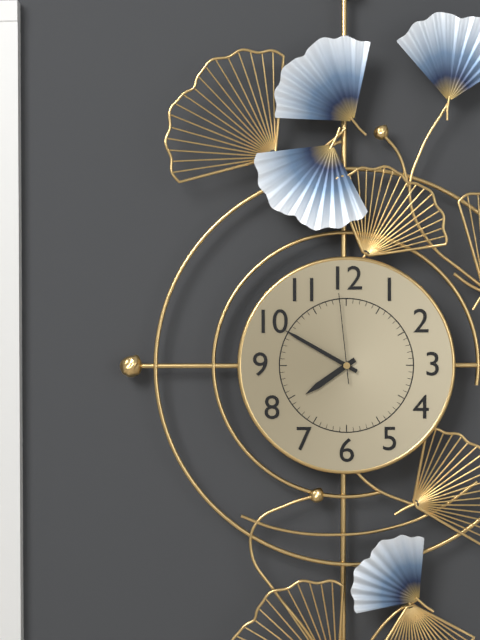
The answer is 7:50:59
